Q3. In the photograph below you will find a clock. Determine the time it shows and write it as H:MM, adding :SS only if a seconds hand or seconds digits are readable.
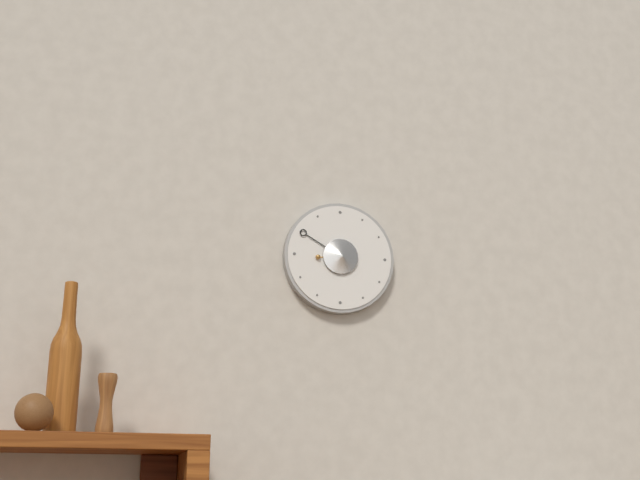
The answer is 8:50
